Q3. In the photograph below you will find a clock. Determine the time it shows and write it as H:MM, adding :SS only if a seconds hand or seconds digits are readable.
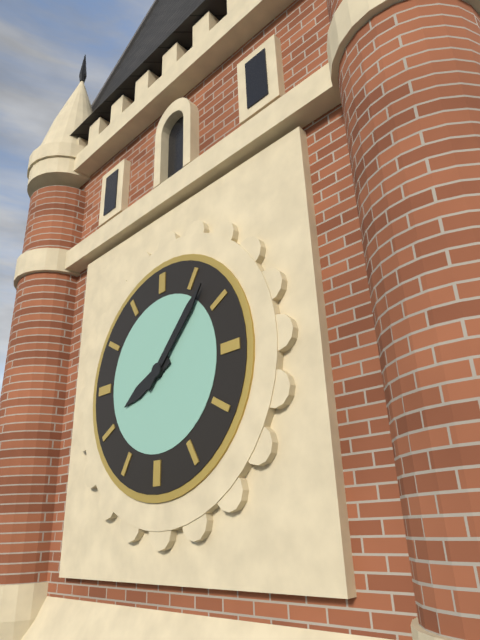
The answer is 8:07
